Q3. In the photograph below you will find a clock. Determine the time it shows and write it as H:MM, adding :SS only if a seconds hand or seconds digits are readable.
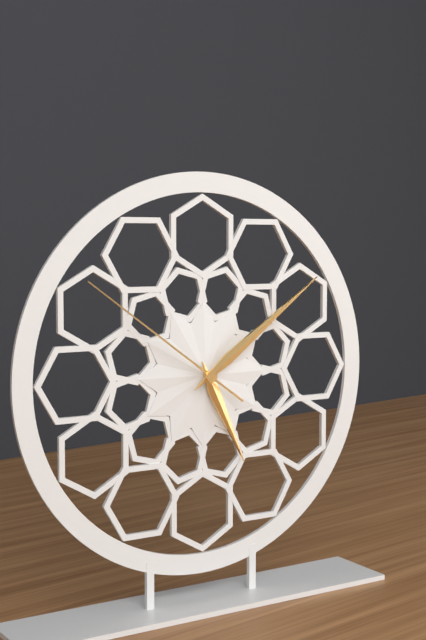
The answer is 5:09:51
